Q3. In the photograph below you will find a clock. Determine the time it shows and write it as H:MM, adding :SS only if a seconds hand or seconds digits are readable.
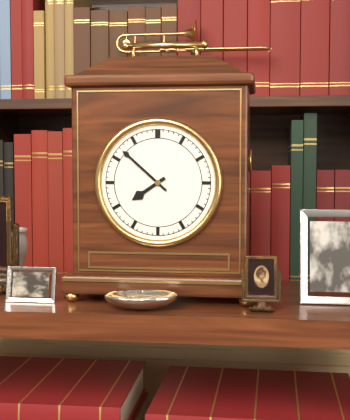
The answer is 7:52
